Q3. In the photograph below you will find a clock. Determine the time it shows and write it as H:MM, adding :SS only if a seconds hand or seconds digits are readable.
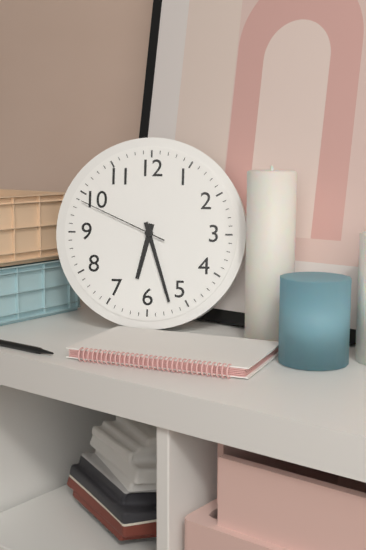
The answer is 6:27:49
